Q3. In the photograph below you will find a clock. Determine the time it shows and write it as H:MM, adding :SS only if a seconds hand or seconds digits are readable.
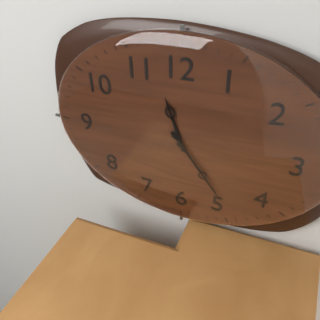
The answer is 11:24
